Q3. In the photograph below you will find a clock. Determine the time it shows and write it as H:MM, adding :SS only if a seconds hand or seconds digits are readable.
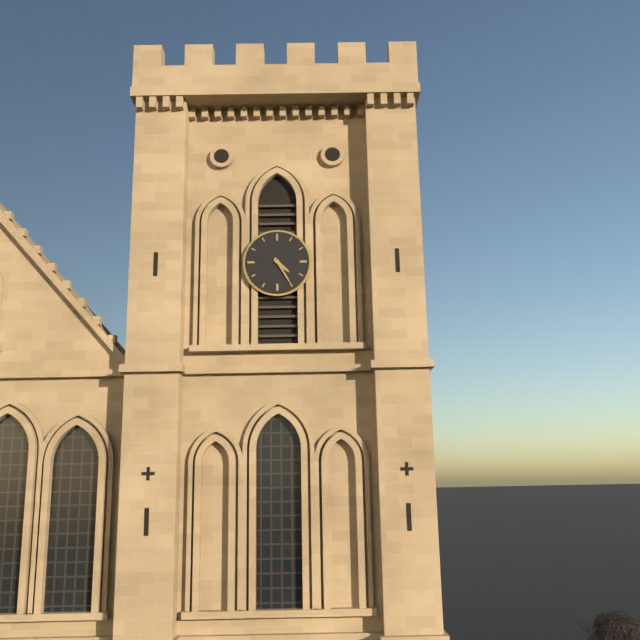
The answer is 4:25
